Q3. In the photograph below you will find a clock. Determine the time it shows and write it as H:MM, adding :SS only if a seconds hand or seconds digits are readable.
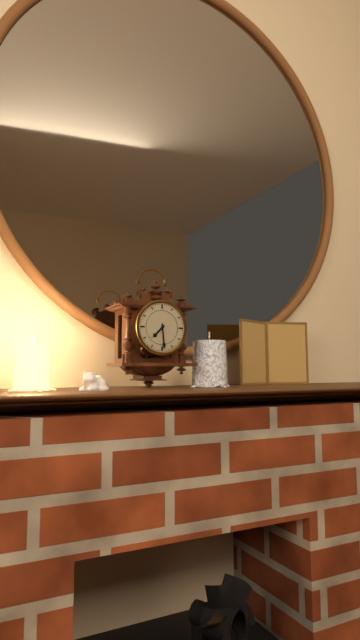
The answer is 7:29
